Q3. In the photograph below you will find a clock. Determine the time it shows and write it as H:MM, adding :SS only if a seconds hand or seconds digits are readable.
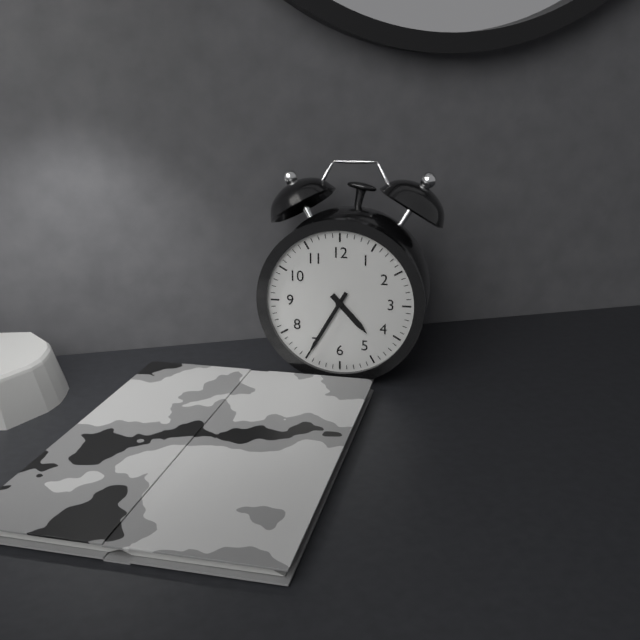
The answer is 4:35
